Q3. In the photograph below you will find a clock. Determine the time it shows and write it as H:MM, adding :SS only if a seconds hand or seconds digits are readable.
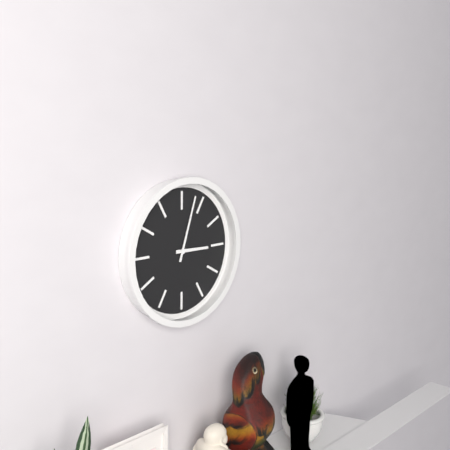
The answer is 3:03
